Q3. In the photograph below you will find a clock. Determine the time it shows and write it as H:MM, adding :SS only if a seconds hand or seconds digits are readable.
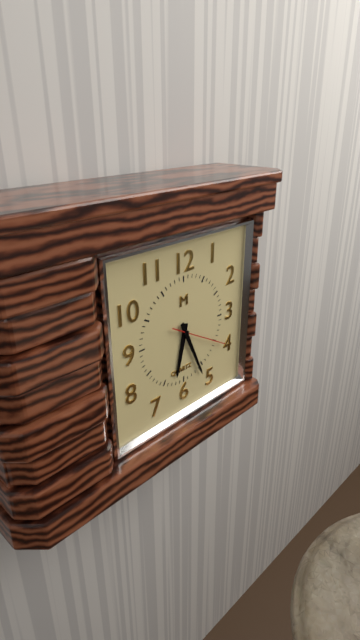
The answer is 6:26:20
